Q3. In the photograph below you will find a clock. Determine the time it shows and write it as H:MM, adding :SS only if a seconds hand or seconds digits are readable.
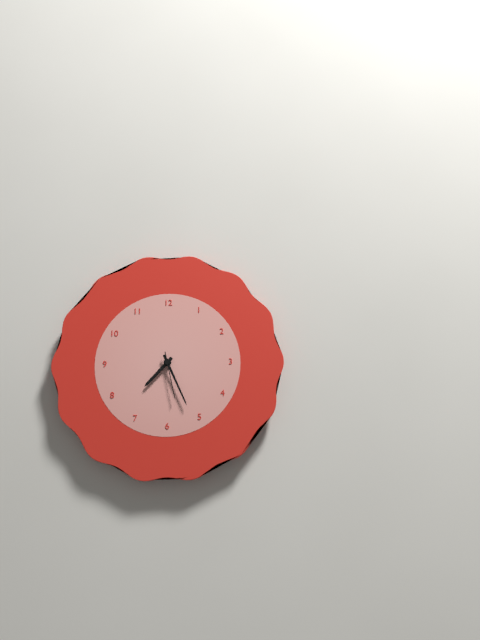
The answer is 7:26
